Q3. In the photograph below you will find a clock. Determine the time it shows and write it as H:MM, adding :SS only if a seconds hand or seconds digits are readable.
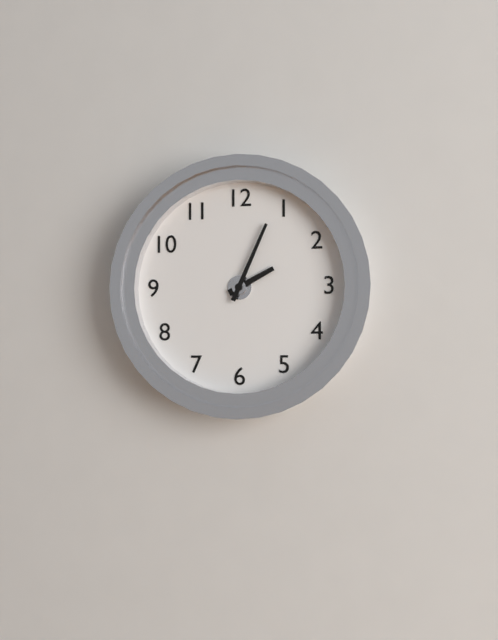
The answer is 2:04
